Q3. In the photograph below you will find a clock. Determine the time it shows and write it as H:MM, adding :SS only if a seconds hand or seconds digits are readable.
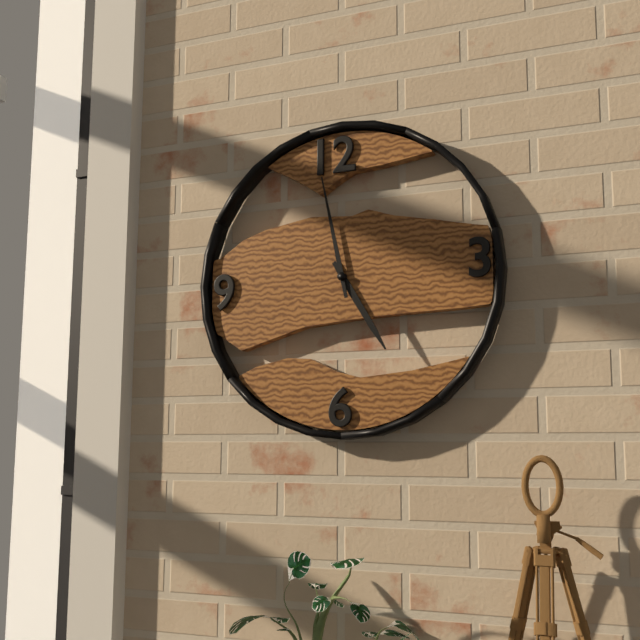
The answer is 4:58
